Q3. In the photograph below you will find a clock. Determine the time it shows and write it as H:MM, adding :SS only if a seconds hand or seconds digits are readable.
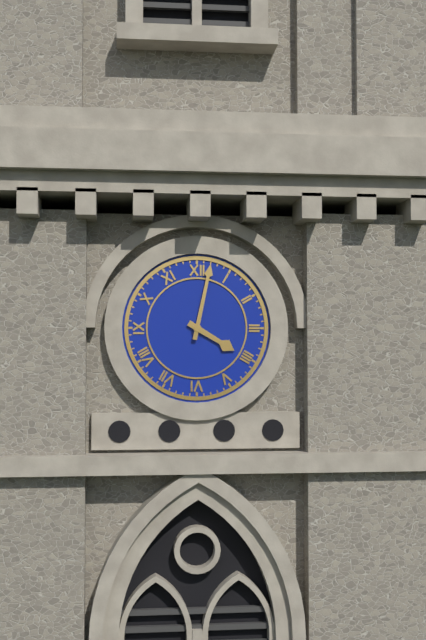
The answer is 4:02
